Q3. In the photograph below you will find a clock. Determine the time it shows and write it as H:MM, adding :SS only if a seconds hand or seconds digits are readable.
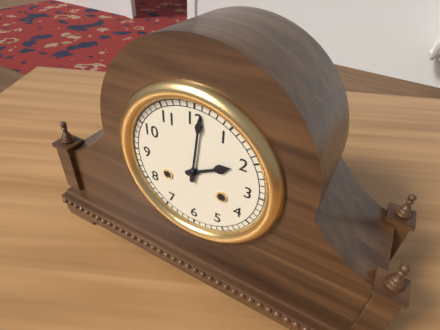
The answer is 2:01
